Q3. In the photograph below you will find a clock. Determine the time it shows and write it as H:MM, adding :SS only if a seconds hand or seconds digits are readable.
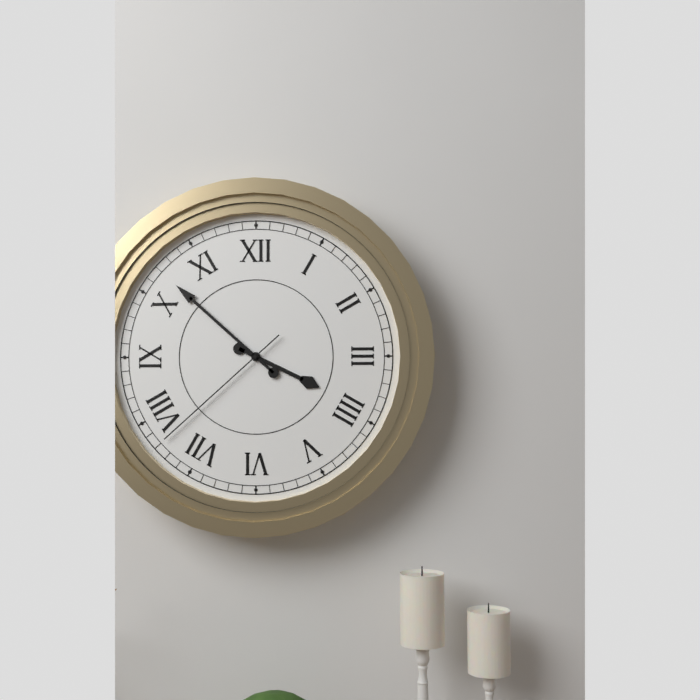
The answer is 3:52:38
